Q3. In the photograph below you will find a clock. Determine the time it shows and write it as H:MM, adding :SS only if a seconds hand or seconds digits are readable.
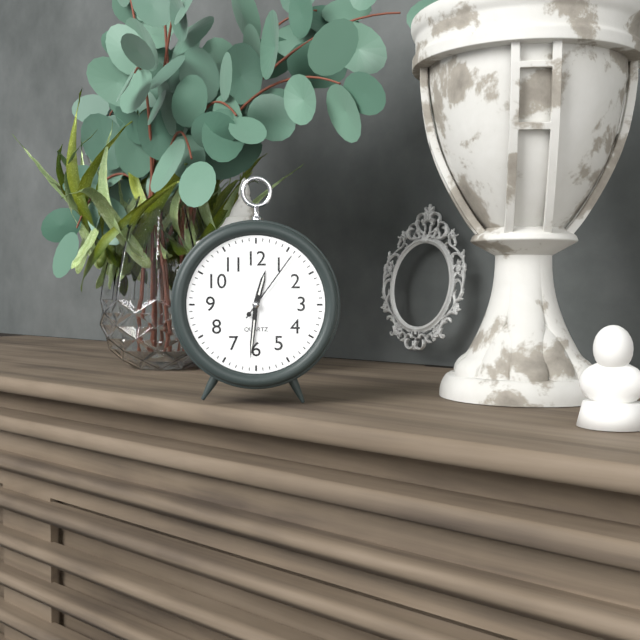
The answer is 12:31:06
